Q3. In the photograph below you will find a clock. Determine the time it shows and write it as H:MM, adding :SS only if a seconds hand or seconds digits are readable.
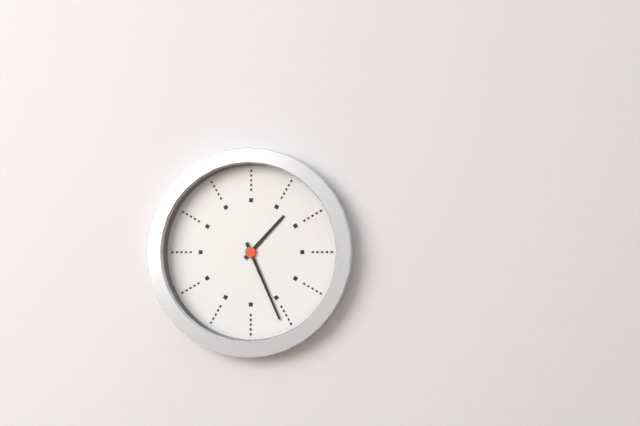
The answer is 1:26
